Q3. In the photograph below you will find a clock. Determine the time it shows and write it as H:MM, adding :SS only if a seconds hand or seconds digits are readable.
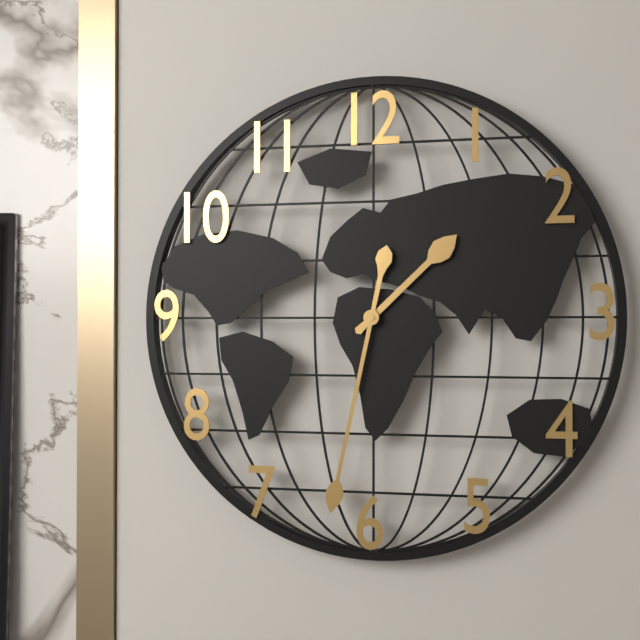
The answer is 1:32
